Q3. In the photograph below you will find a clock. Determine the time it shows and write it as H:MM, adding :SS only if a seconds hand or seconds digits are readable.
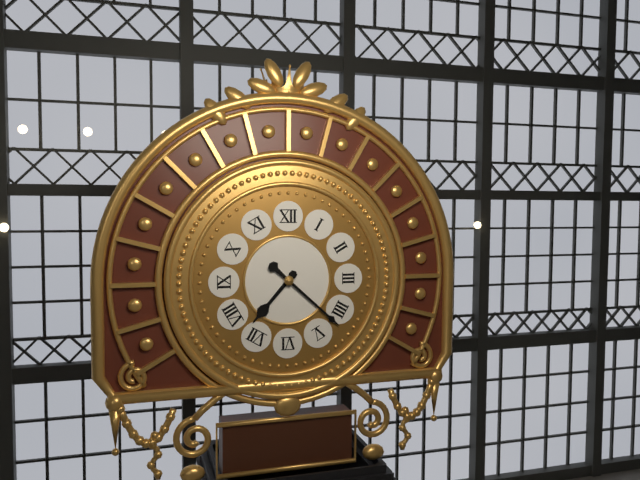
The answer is 7:22
